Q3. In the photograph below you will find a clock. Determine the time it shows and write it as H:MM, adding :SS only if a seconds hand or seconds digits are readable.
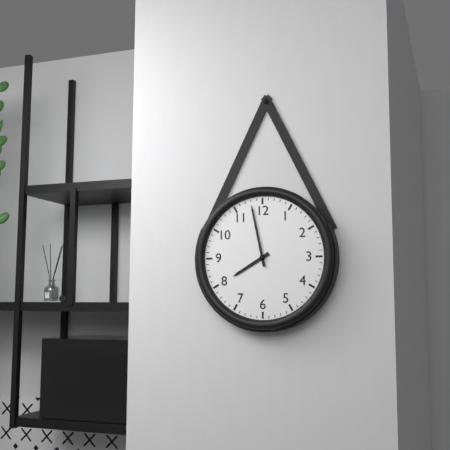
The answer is 7:58
